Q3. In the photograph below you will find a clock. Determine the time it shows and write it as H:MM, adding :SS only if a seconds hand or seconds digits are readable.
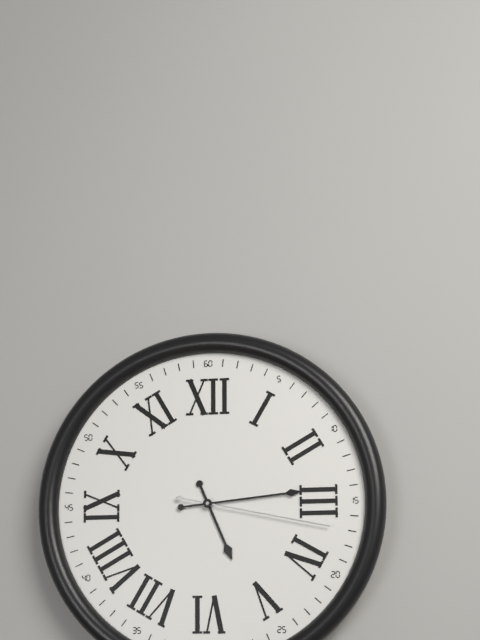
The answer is 5:14:17
